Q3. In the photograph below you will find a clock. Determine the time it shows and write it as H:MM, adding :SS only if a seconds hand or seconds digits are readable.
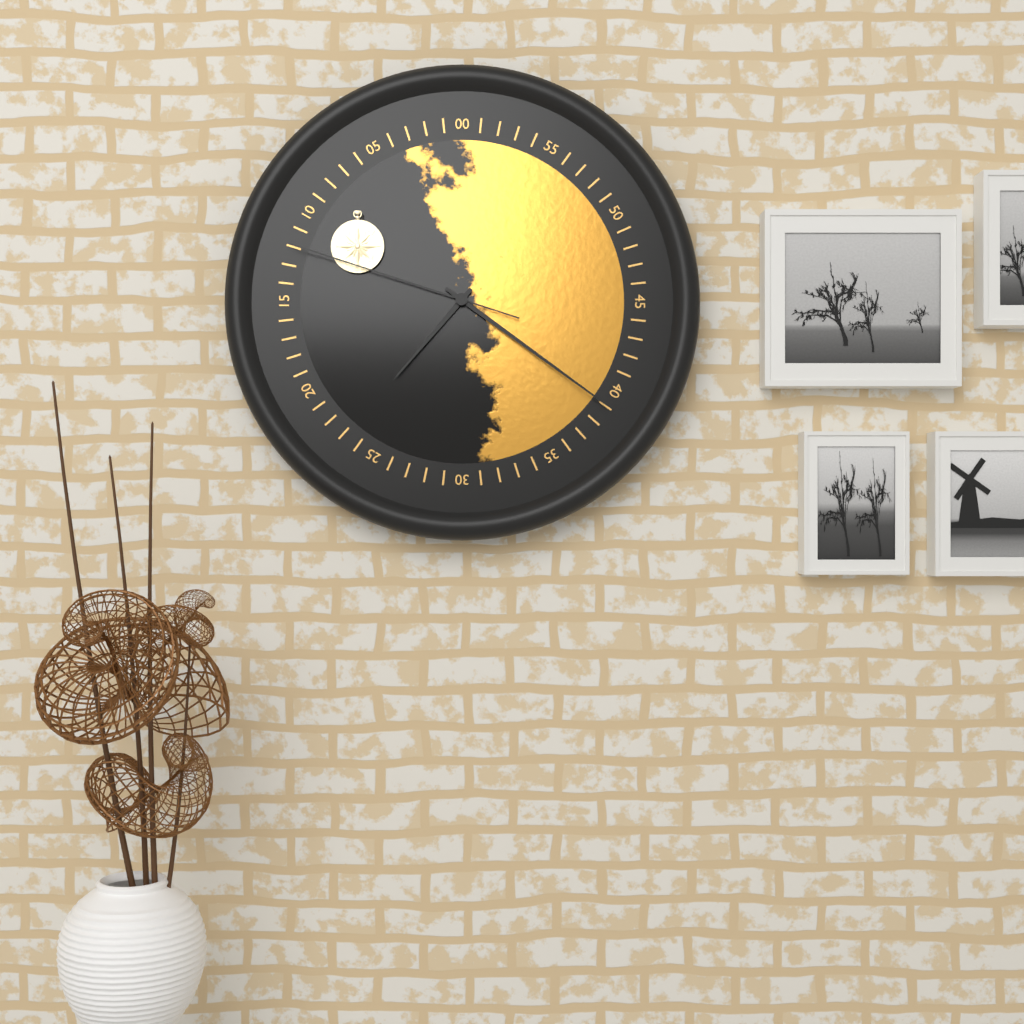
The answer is 7:21:48
